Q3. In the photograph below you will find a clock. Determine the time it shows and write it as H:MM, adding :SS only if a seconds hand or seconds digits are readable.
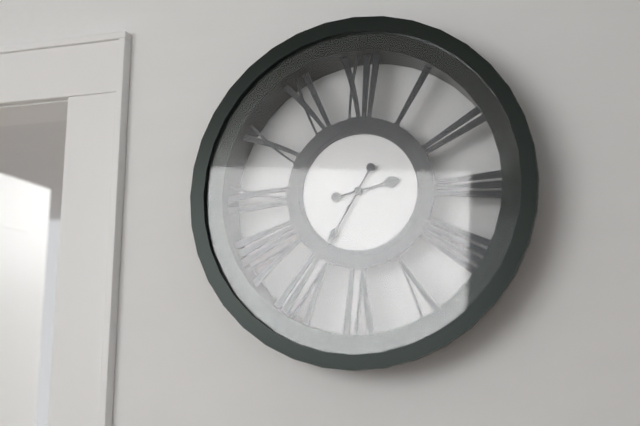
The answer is 2:35
